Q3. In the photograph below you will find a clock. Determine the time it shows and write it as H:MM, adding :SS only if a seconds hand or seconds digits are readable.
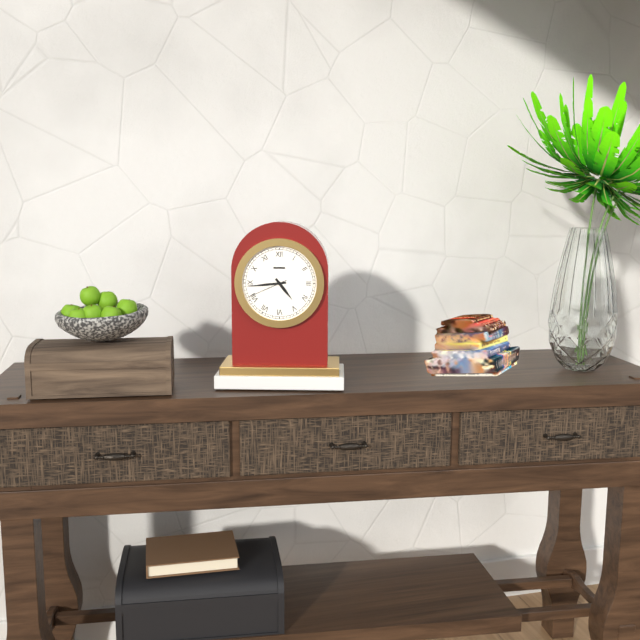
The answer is 4:44
